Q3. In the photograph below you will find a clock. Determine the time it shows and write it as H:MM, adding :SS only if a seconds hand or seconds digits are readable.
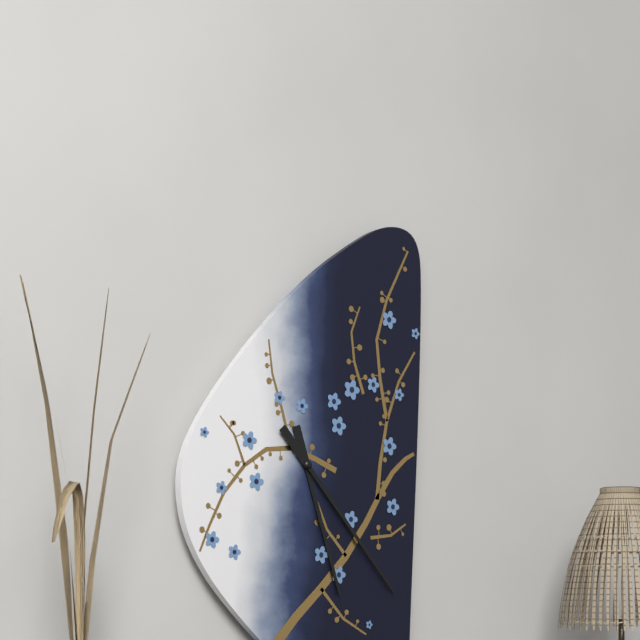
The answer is 5:23
